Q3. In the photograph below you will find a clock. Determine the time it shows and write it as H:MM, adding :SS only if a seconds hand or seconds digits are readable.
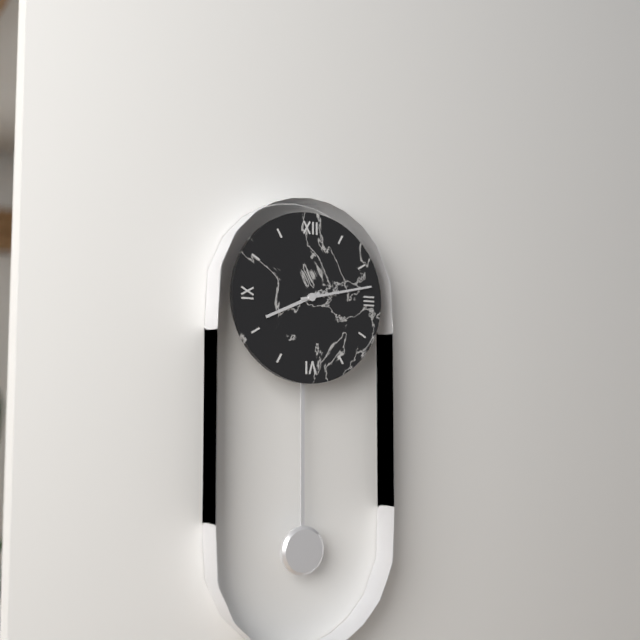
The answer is 8:13
